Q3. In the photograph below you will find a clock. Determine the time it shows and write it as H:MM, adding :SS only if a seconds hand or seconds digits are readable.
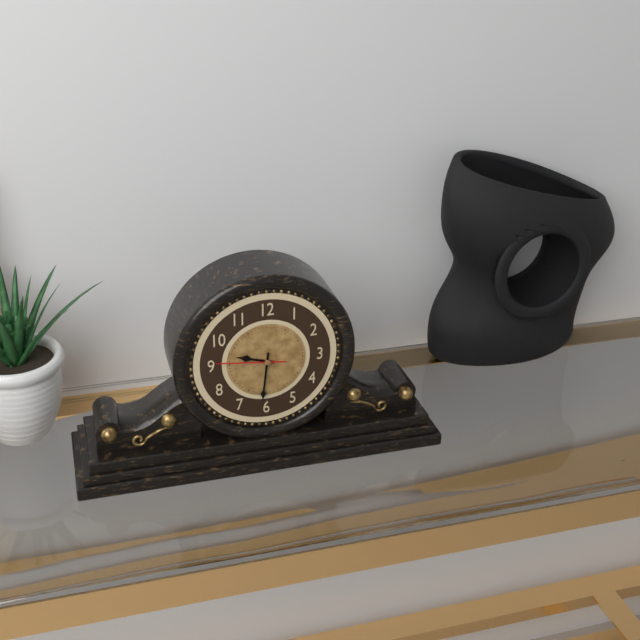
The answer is 9:31:46
